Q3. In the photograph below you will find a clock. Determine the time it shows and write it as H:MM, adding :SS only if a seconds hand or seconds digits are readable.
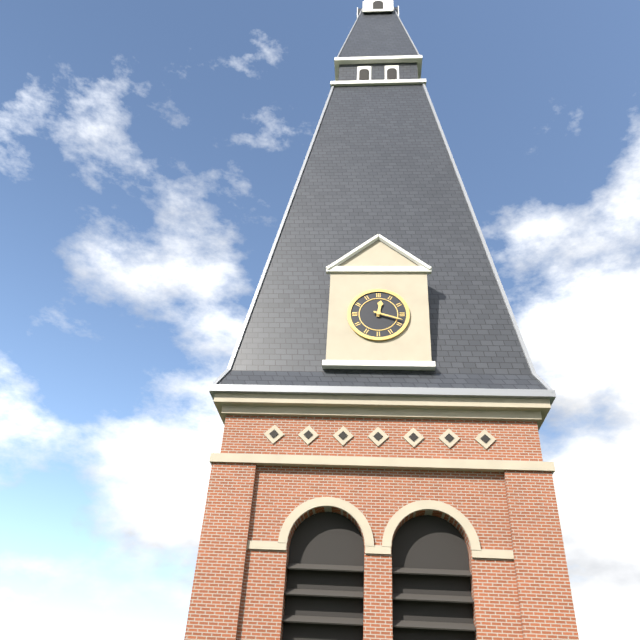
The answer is 12:18
